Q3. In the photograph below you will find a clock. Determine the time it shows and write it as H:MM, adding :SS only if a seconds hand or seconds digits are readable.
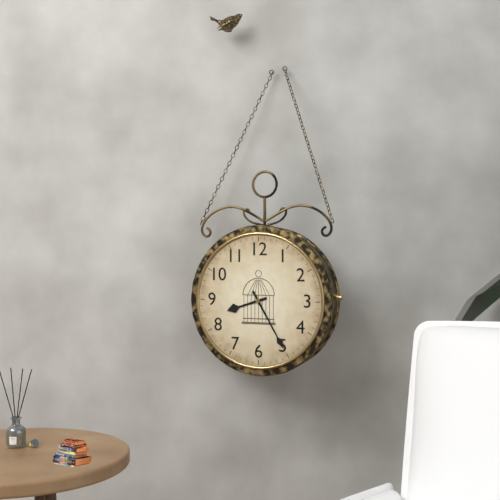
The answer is 8:25
